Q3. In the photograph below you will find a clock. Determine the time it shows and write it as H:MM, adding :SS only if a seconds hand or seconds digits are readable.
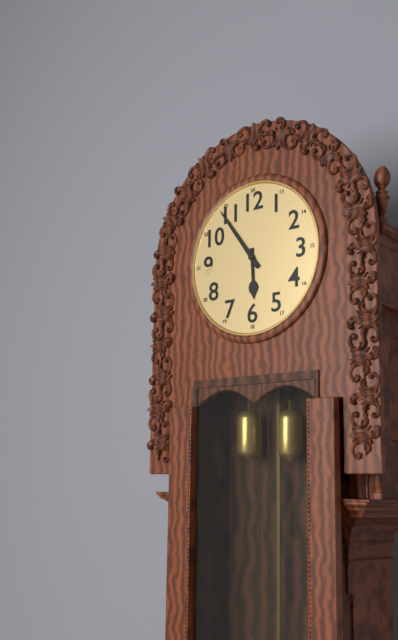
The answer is 5:54
